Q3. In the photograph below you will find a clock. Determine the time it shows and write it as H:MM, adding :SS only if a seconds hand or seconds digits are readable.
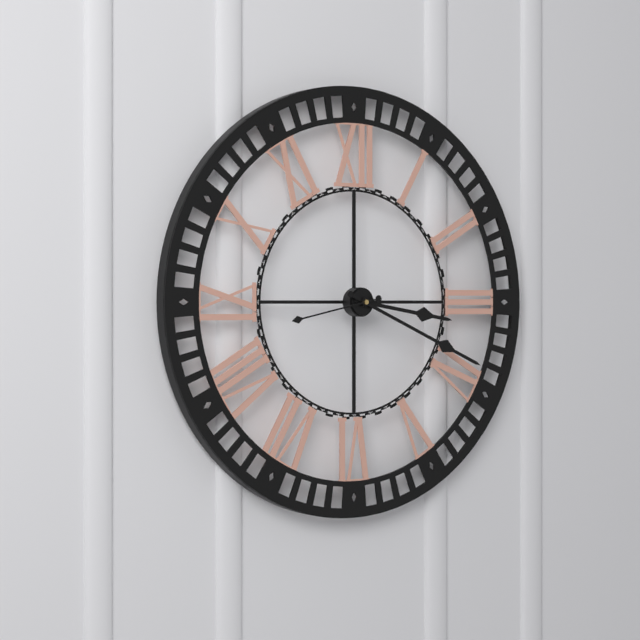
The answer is 3:19:43
